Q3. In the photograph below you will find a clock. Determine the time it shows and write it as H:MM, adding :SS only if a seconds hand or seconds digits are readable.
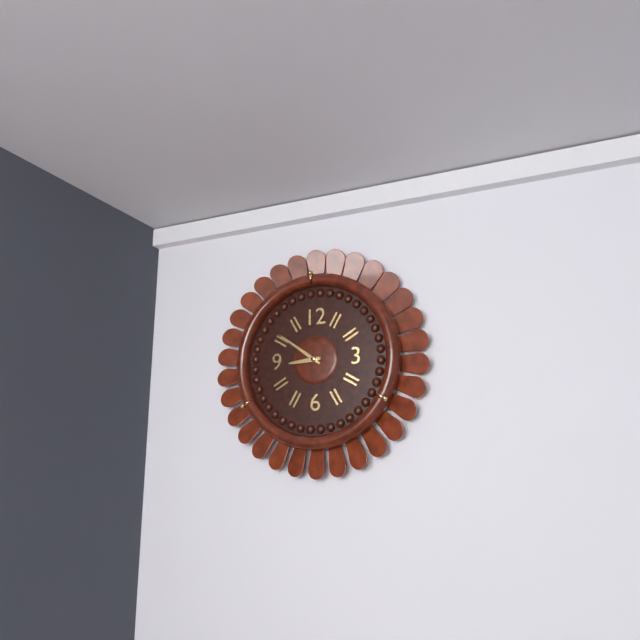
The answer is 8:51
